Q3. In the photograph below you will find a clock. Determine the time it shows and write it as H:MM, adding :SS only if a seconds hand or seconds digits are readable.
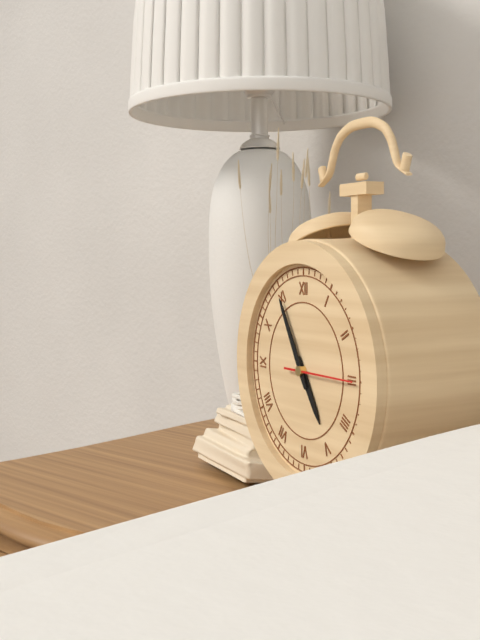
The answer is 4:55:15
